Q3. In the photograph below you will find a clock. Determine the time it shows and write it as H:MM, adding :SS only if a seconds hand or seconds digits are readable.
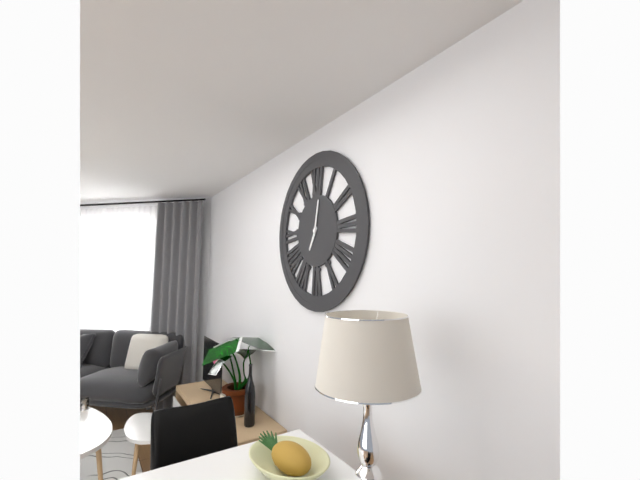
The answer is 7:02
